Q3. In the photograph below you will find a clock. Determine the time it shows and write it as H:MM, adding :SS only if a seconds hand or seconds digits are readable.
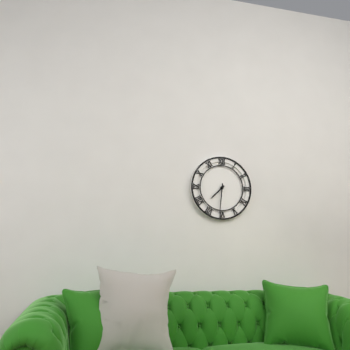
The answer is 7:31
